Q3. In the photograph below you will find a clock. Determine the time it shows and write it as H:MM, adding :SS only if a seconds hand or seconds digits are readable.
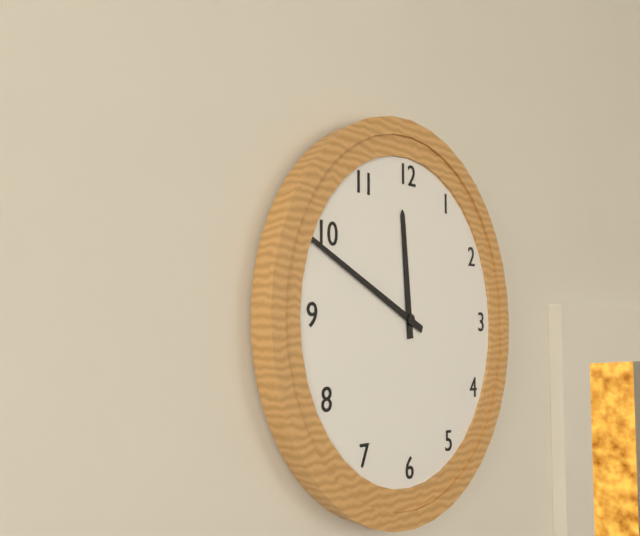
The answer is 11:49
